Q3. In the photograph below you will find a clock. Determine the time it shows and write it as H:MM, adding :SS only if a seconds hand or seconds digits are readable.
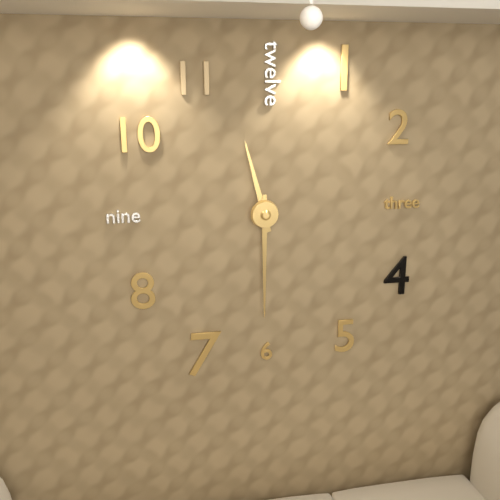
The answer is 11:30
